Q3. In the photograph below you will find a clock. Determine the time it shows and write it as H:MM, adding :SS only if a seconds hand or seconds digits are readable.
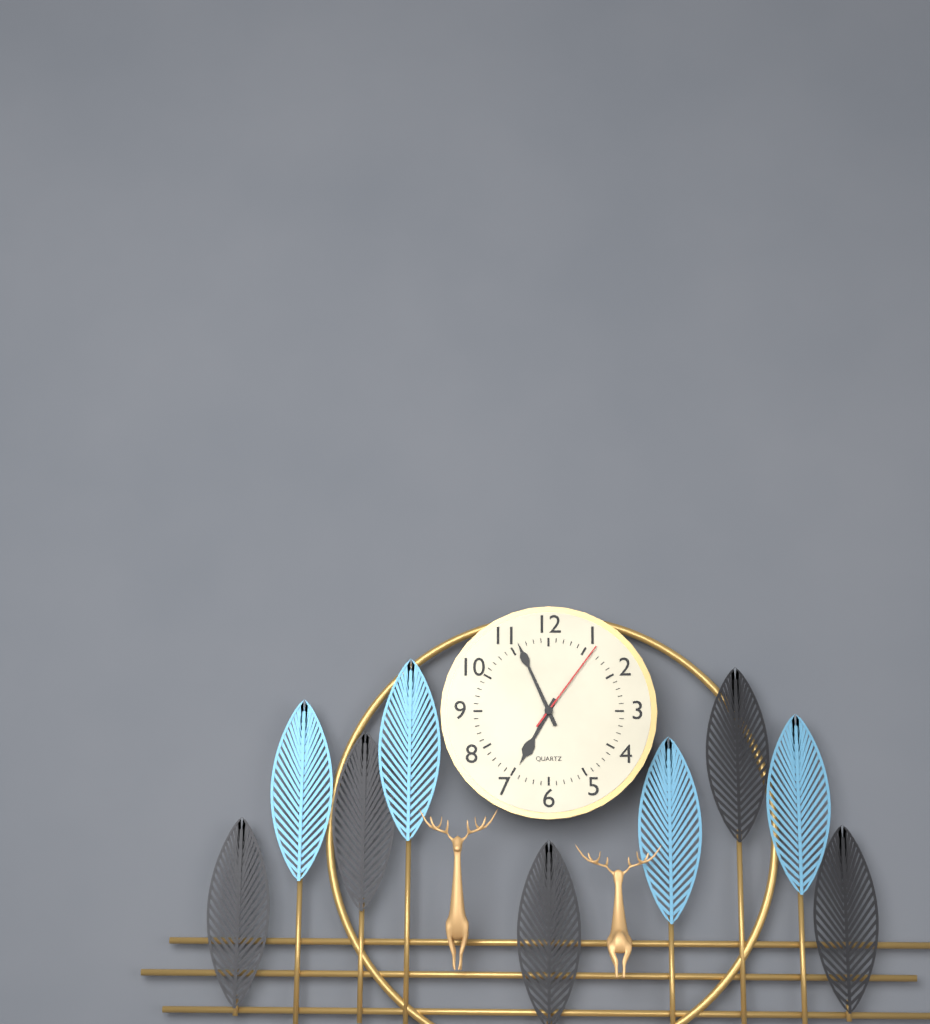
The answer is 6:56:06
